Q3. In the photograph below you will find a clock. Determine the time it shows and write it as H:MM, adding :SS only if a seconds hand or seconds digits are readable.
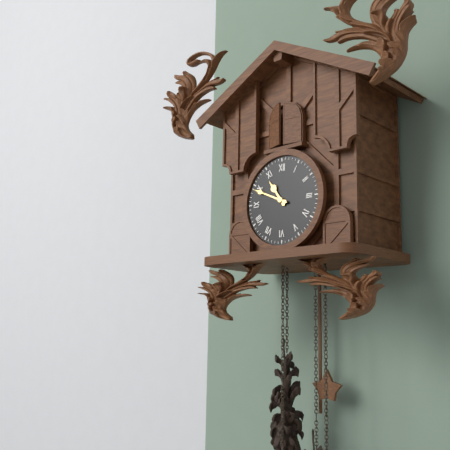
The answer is 10:49
